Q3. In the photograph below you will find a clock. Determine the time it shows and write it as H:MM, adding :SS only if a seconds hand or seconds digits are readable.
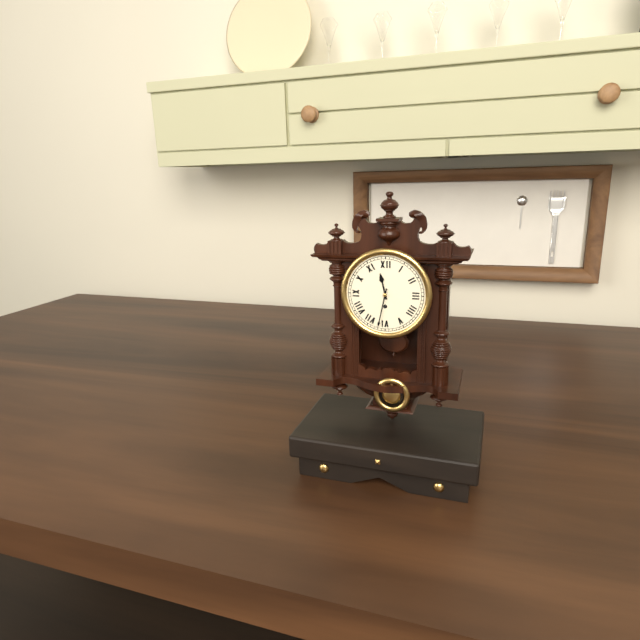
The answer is 11:32
